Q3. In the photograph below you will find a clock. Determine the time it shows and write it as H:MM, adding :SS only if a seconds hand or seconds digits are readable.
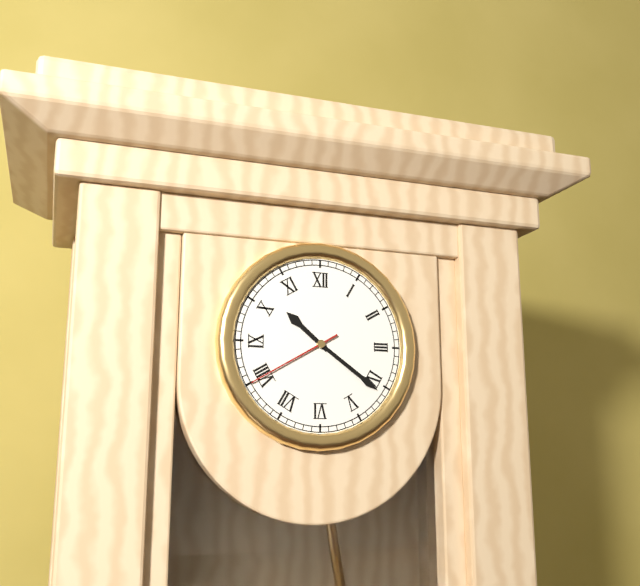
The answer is 10:21:40
